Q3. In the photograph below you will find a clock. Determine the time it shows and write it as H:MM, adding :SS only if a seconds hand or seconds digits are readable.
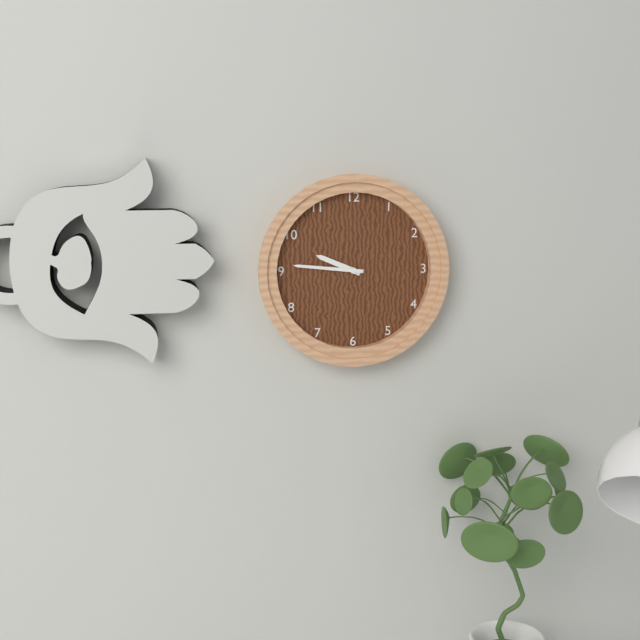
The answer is 9:46
